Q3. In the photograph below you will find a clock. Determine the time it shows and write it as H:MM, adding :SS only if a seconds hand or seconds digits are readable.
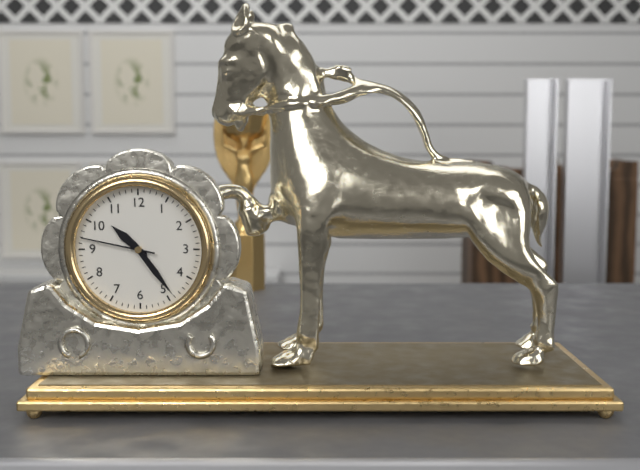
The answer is 10:24:47
